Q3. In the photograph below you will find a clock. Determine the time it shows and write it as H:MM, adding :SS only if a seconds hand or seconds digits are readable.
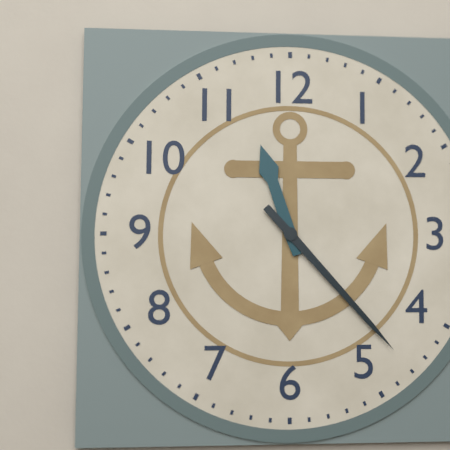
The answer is 11:23
